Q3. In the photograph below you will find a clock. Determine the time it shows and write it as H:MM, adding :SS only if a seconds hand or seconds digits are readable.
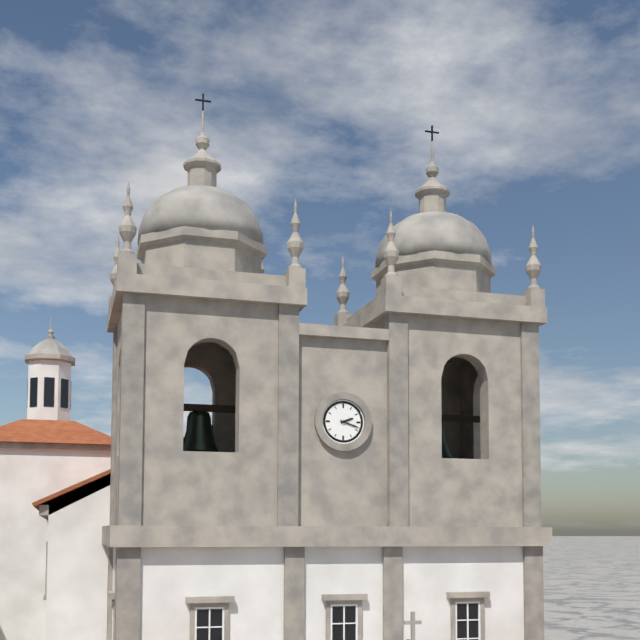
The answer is 2:18
